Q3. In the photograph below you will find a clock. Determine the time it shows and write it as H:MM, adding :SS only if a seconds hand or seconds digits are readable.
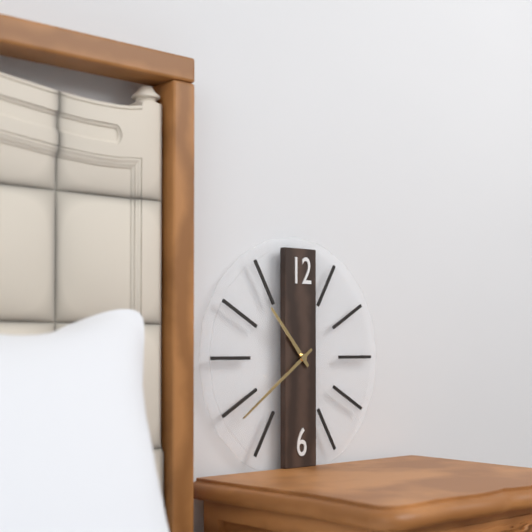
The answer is 10:39
